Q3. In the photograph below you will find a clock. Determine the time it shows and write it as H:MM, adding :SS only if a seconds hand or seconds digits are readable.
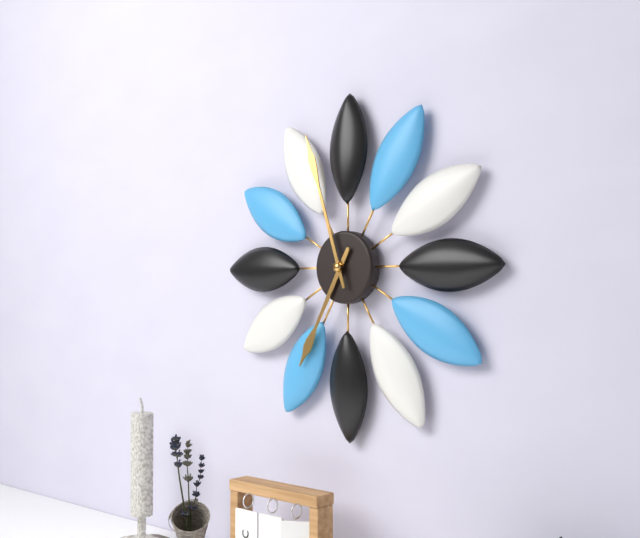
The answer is 6:57
